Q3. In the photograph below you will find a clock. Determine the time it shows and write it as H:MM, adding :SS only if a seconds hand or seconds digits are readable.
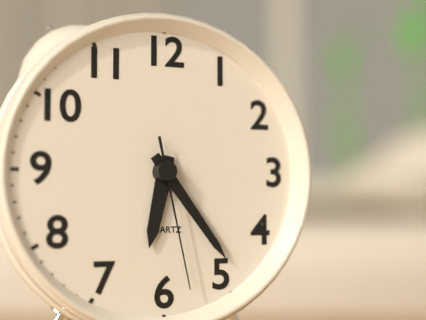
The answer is 6:24:28
